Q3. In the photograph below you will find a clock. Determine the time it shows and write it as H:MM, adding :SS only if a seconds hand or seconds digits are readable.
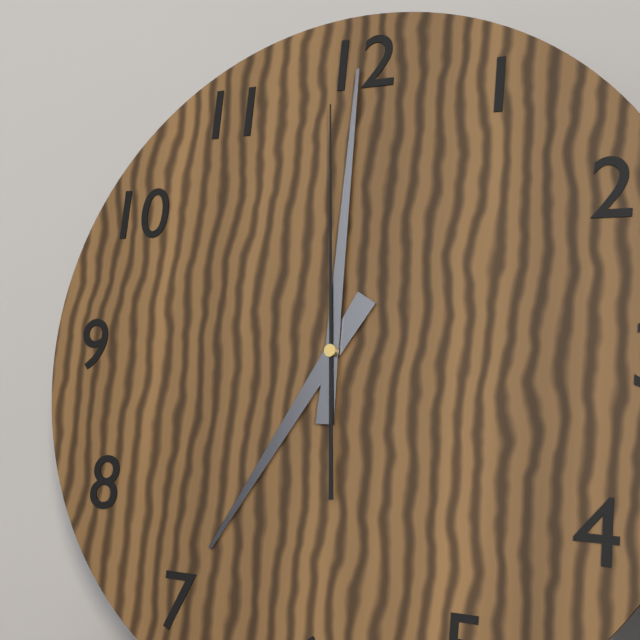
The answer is 7:00:59
